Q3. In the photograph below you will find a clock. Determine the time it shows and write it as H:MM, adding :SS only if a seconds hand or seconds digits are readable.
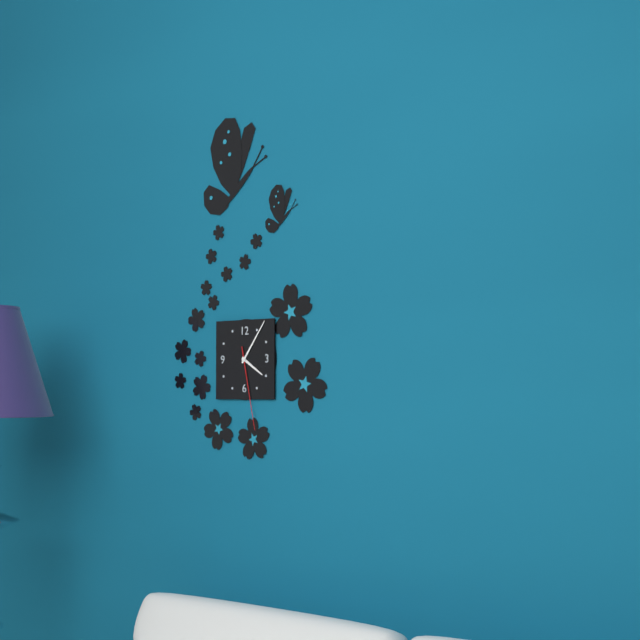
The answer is 4:06:28
